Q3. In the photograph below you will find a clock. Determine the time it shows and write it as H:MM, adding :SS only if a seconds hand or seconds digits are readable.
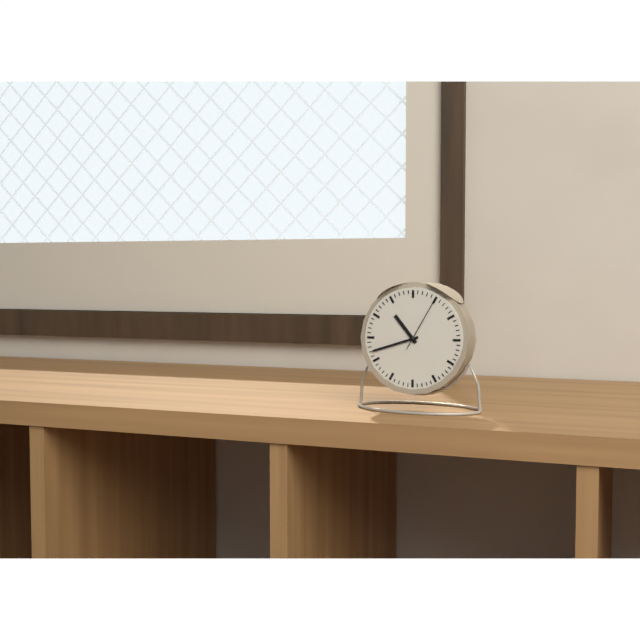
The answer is 10:42:05
